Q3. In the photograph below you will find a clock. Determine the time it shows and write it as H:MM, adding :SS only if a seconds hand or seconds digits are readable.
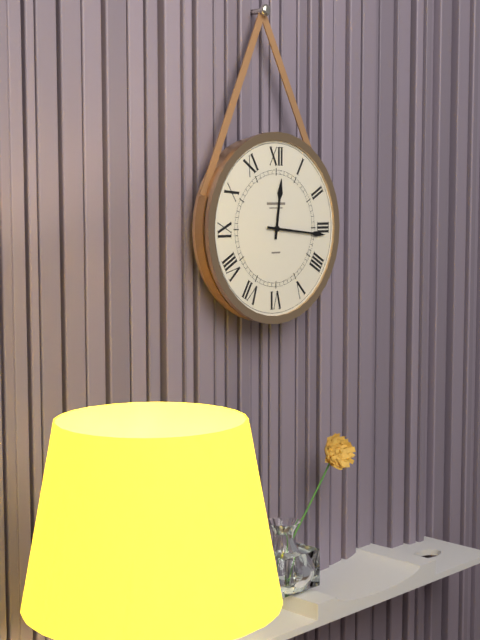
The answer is 12:16
